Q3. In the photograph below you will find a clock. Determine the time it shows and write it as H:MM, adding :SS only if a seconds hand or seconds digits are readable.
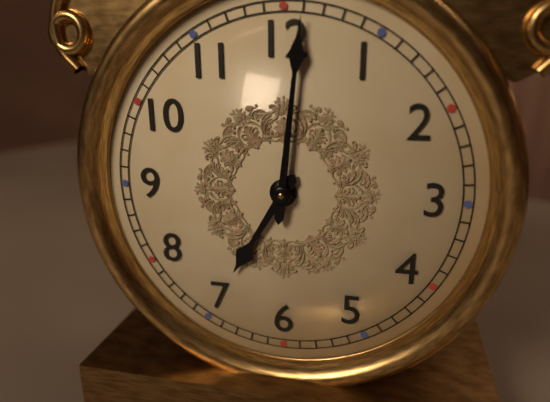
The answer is 7:01
